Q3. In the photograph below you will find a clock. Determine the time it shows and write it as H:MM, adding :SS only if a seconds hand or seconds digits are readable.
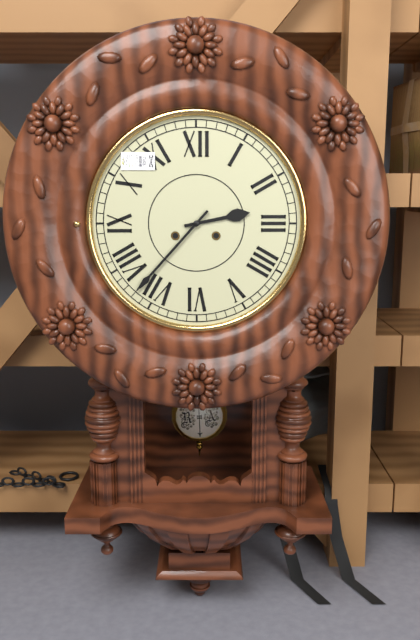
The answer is 2:37
